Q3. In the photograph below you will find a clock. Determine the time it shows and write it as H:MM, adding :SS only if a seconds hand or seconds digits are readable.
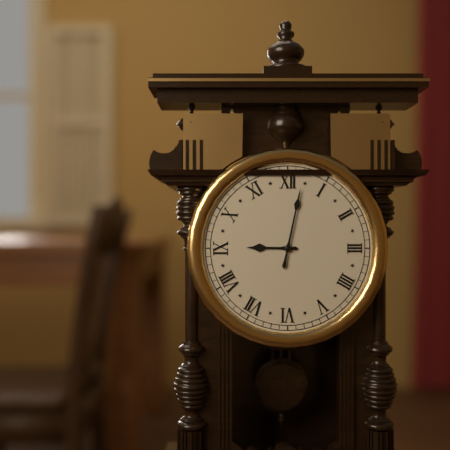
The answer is 9:02
